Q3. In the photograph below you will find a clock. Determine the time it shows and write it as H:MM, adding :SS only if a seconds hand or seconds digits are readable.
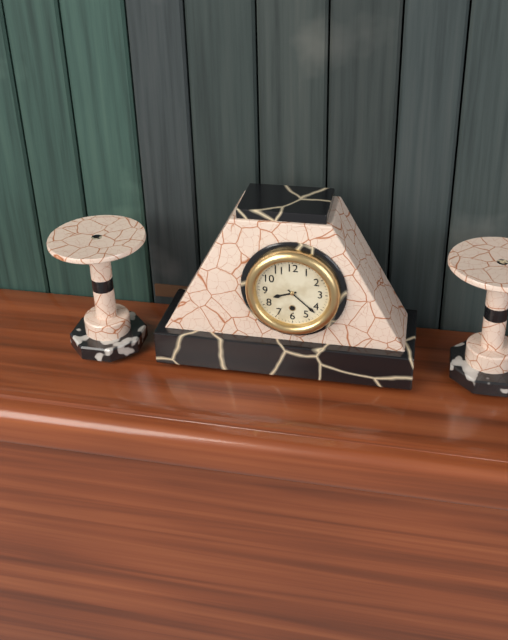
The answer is 8:22
